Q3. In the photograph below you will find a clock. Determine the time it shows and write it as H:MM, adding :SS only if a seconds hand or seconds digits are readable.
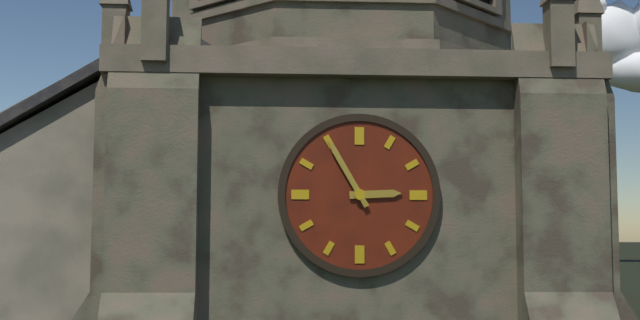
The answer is 2:55
